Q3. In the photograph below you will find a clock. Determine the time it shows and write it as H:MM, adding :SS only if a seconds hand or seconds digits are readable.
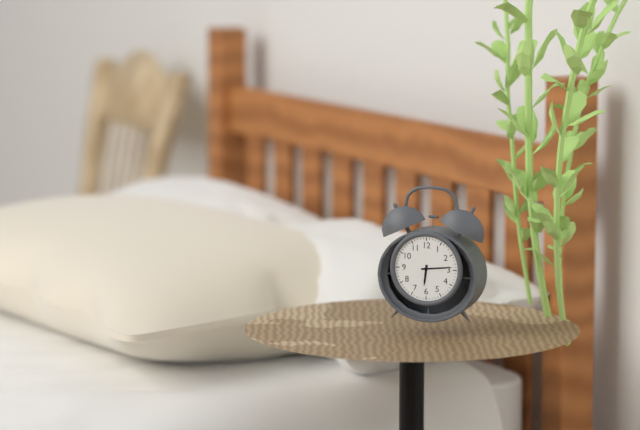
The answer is 6:14
